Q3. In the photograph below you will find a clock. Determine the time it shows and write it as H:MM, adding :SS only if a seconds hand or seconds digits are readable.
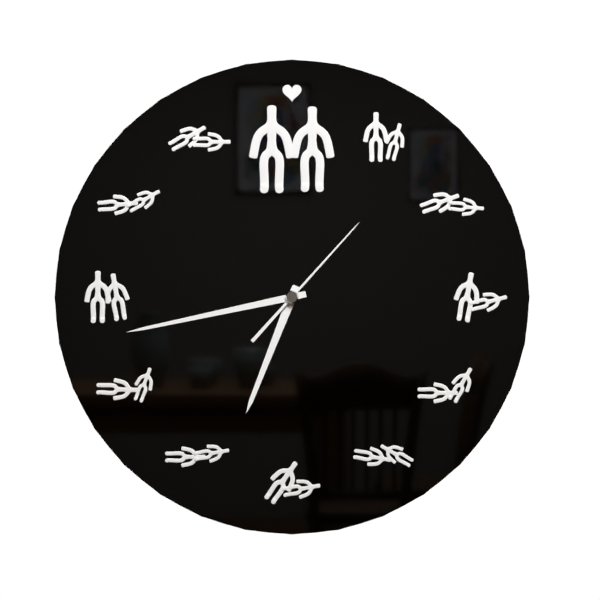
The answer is 6:43:07
